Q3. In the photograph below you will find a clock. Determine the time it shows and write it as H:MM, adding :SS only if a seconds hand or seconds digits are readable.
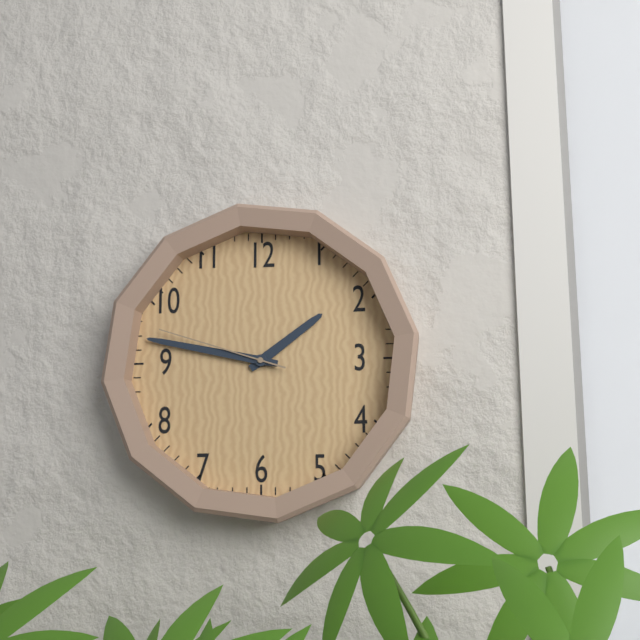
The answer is 1:47:48
